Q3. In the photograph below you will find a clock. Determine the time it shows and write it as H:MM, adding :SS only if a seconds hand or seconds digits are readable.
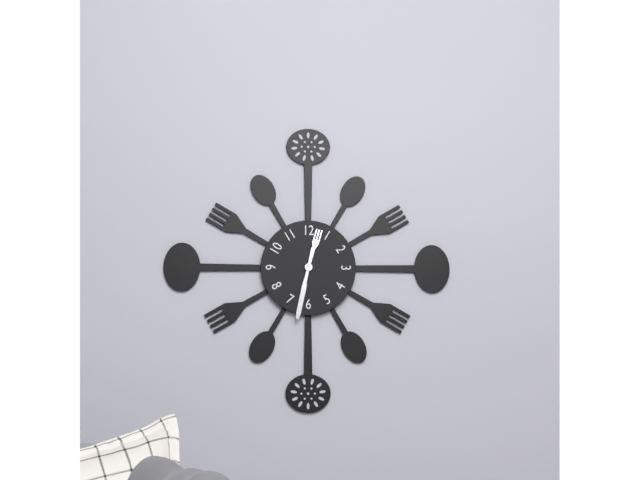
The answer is 12:32
